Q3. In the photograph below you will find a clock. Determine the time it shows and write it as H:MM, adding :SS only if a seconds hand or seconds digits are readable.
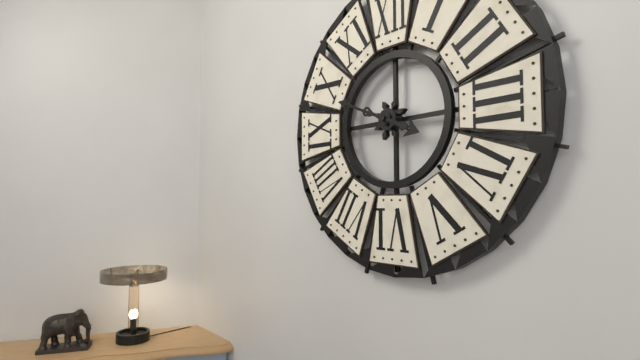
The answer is 3:49
